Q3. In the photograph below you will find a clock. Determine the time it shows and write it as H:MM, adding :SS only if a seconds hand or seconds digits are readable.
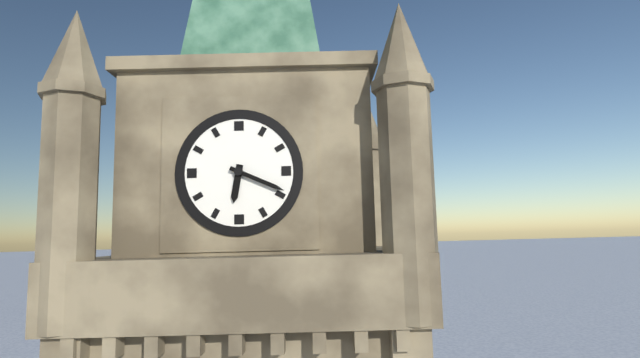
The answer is 6:19
